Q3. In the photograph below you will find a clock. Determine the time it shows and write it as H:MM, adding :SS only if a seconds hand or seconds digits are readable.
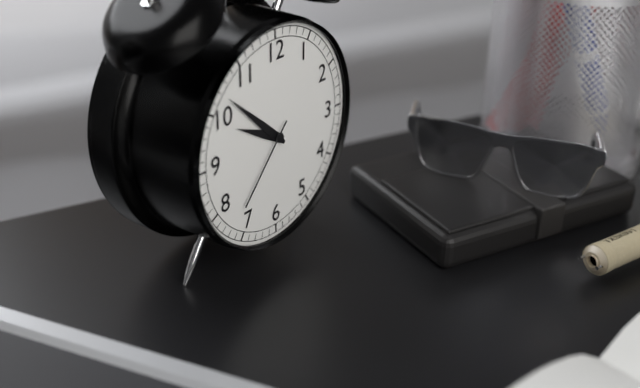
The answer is 9:52:37
